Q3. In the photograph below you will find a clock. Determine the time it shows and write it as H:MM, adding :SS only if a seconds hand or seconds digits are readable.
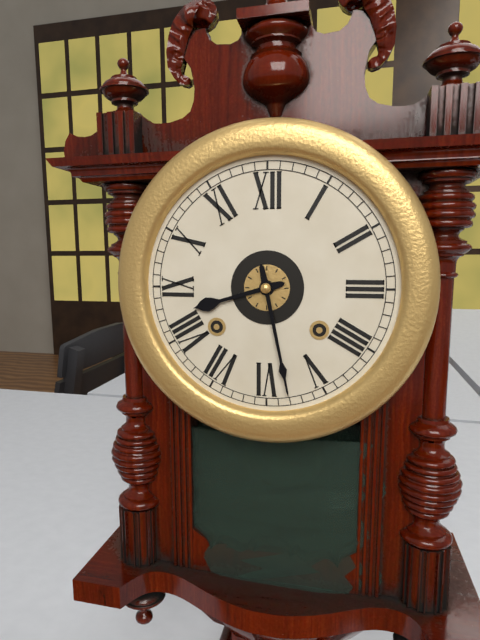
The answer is 8:28
